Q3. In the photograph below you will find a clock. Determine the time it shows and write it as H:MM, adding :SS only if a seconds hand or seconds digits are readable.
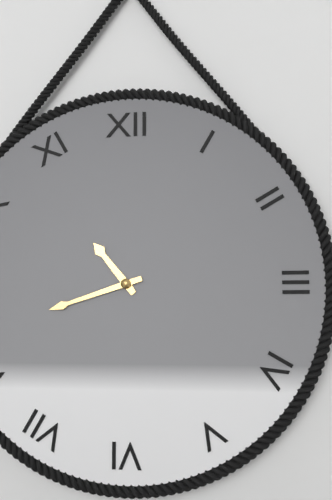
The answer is 10:42
